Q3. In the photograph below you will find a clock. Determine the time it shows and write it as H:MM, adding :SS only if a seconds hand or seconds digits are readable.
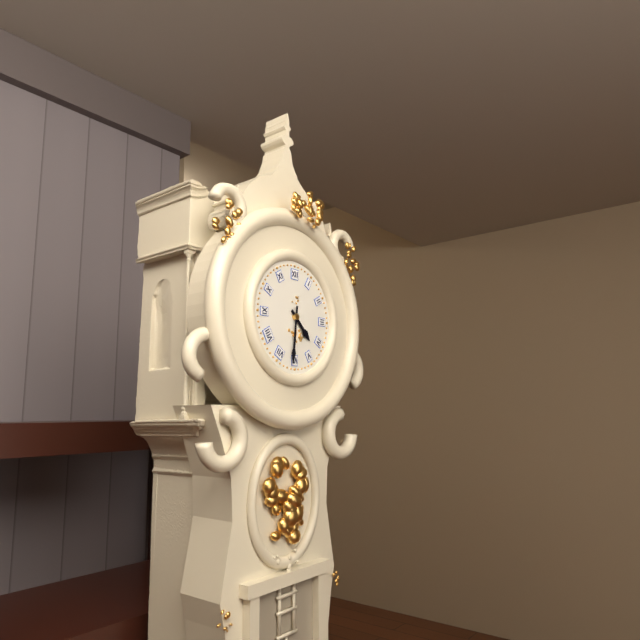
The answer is 4:31
